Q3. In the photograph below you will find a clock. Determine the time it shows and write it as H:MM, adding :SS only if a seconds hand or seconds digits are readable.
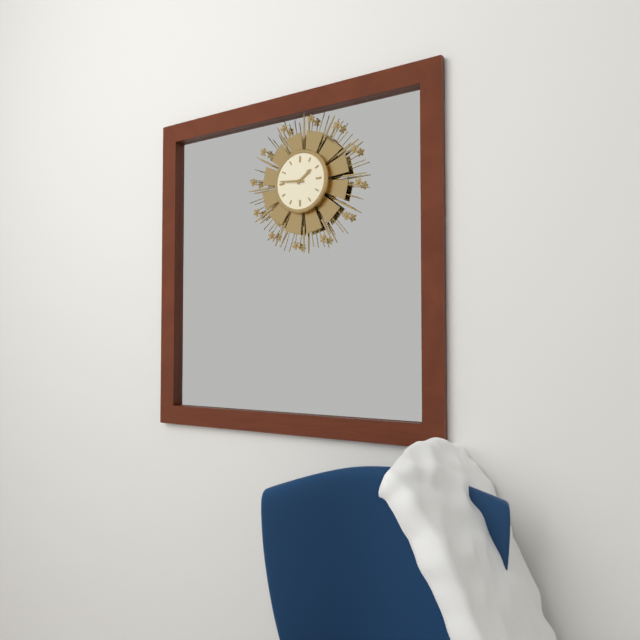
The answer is 1:46
